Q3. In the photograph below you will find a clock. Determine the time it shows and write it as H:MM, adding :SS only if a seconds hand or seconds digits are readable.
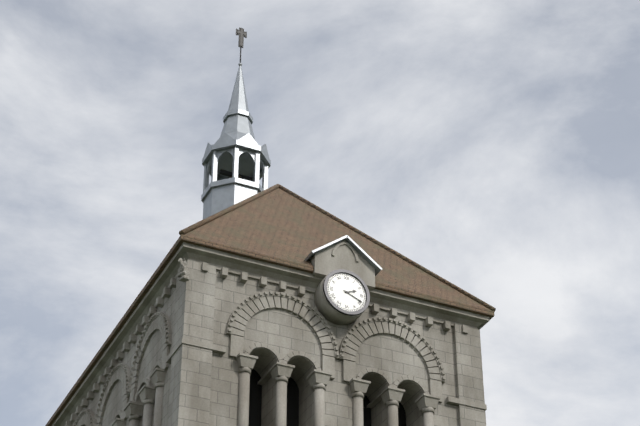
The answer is 2:19
